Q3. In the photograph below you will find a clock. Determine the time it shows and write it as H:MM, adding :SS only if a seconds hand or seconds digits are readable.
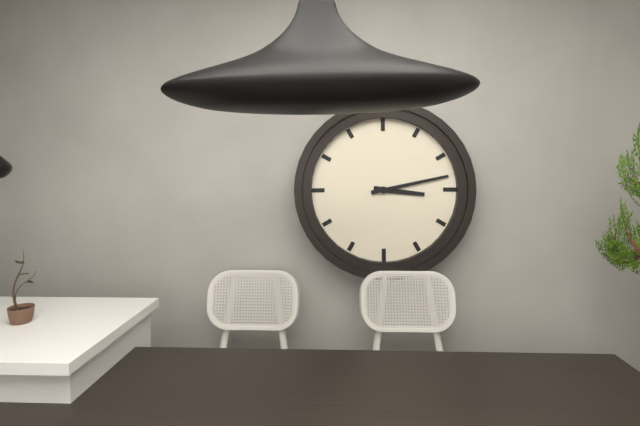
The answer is 3:13
